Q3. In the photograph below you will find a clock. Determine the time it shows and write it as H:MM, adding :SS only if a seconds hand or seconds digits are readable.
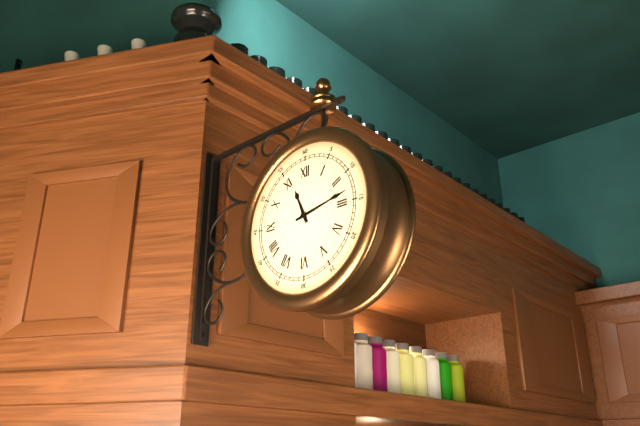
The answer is 11:13
